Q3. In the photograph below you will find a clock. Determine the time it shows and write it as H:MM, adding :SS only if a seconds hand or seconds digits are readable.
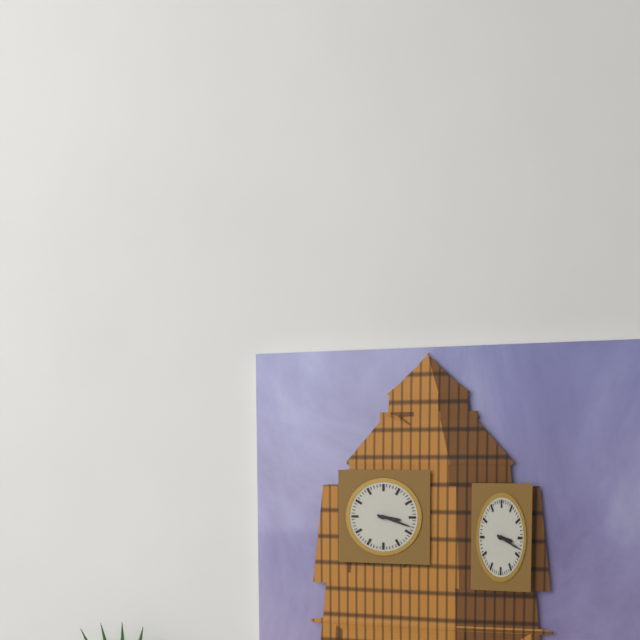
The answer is 3:18
